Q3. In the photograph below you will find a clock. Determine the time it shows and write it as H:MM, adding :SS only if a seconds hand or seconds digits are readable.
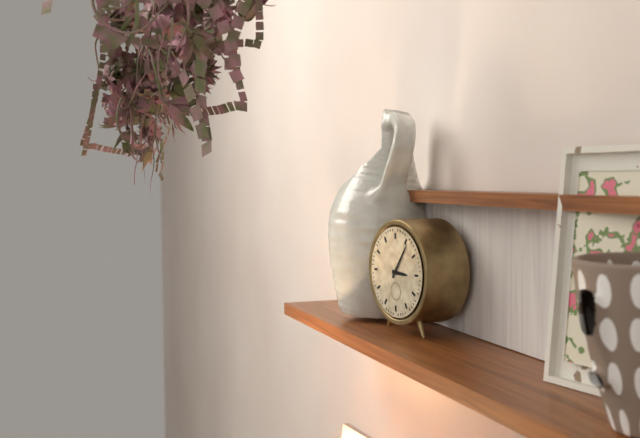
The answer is 3:06
